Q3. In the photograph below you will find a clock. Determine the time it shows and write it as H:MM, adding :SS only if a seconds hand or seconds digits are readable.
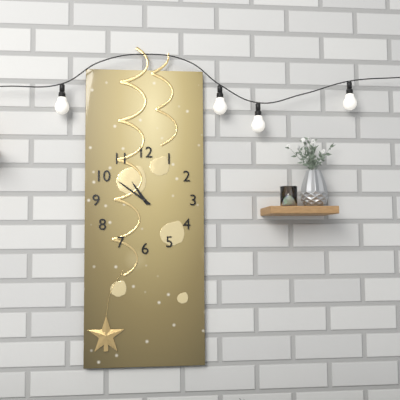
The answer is 10:51
